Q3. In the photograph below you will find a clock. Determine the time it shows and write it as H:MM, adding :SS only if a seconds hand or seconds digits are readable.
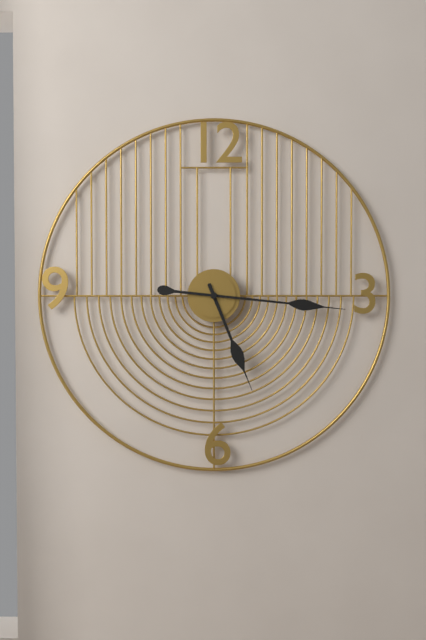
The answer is 5:16
